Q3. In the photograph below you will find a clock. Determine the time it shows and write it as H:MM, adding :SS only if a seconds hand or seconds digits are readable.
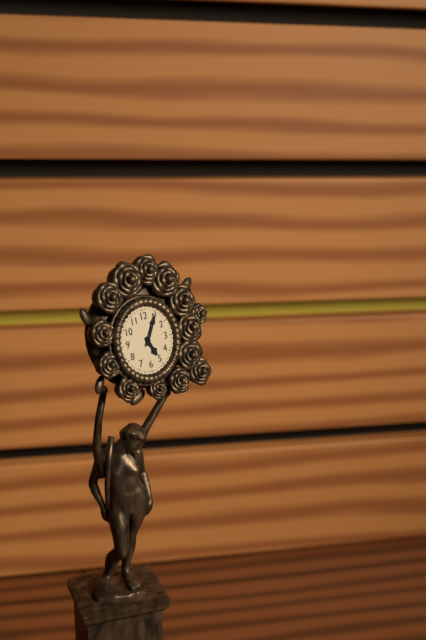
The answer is 5:05
